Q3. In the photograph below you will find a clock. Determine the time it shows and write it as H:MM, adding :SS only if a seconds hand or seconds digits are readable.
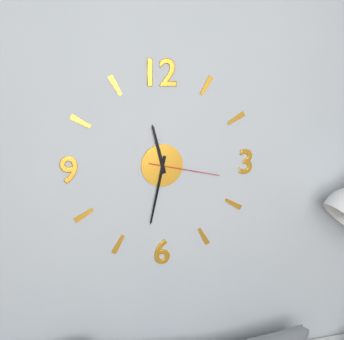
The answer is 11:32:17
